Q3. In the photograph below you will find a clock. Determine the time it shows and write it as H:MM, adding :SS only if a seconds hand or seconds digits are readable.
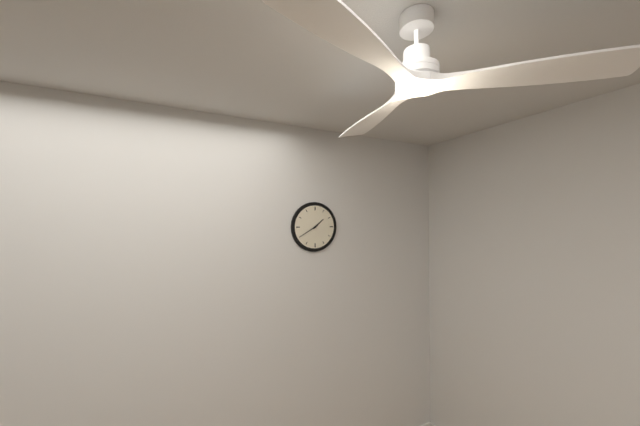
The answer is 1:40
